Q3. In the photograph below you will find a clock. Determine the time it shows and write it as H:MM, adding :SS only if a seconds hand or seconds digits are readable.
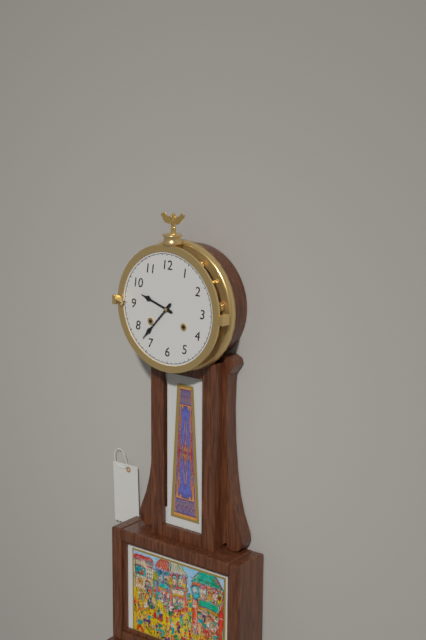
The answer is 9:37
